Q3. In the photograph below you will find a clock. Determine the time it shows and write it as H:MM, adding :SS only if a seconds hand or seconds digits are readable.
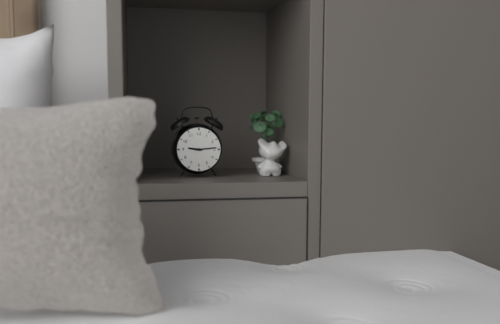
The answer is 9:14
